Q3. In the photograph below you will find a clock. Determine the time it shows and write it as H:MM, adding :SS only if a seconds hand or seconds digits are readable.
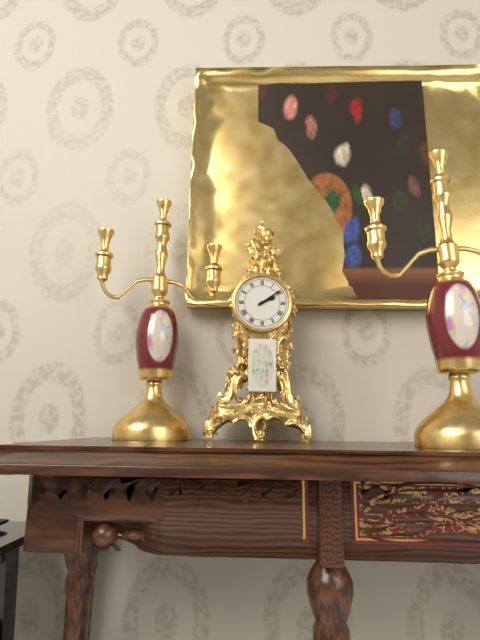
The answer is 2:09
